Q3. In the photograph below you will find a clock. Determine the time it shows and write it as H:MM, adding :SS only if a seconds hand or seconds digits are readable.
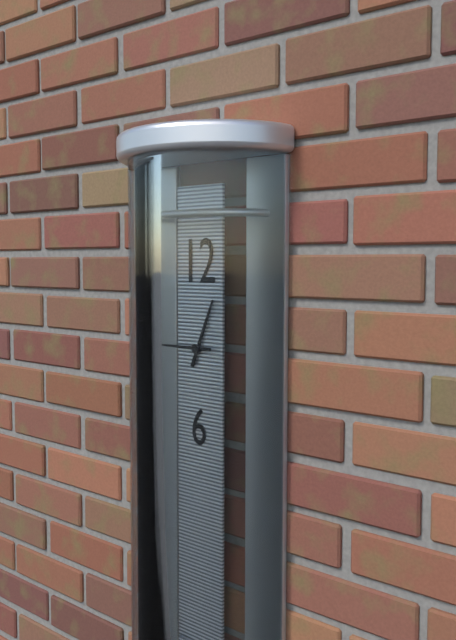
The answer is 12:45
